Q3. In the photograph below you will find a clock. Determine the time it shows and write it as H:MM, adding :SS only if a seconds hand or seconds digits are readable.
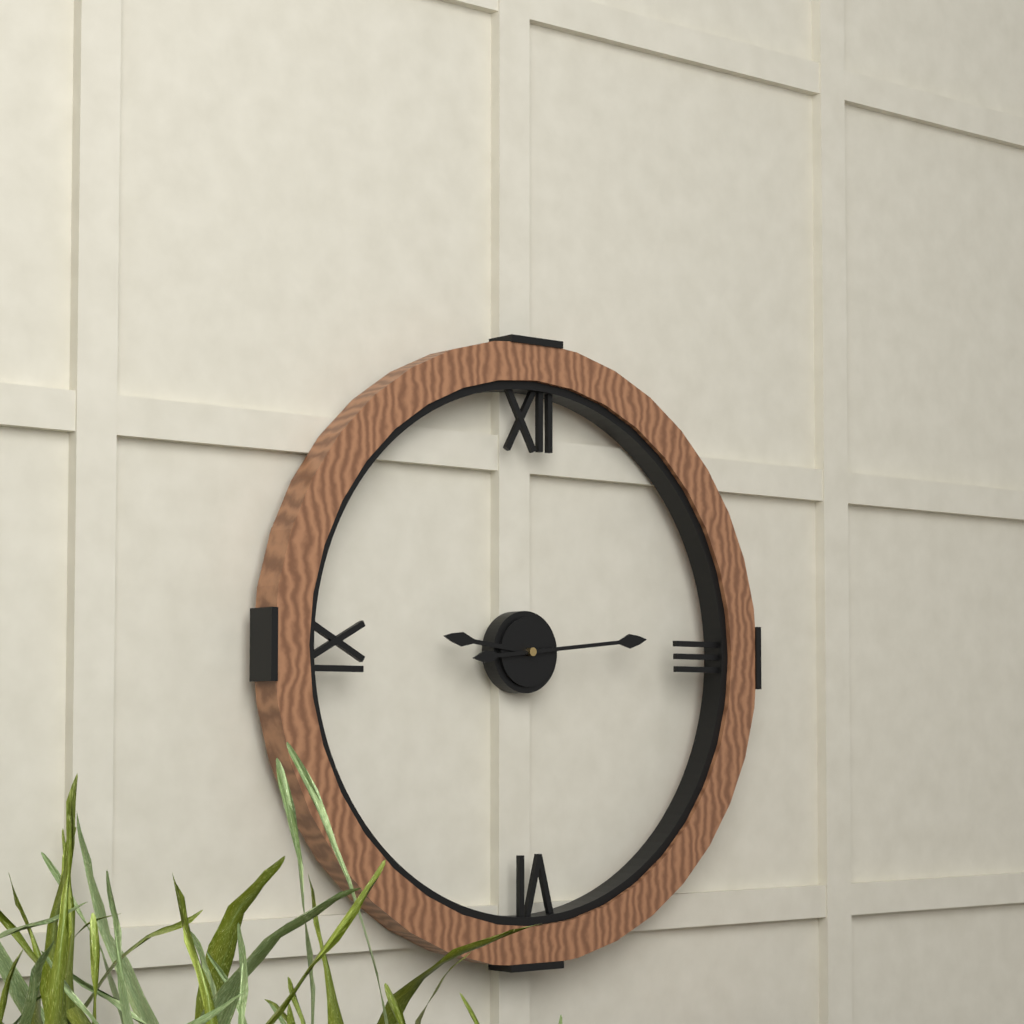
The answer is 9:14
